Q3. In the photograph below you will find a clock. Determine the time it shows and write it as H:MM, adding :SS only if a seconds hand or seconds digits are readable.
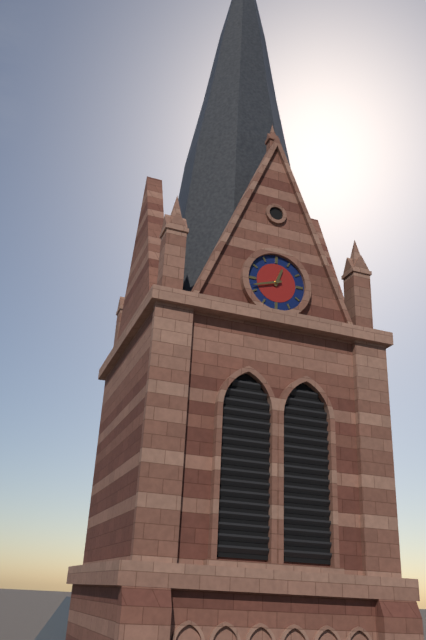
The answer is 12:42
